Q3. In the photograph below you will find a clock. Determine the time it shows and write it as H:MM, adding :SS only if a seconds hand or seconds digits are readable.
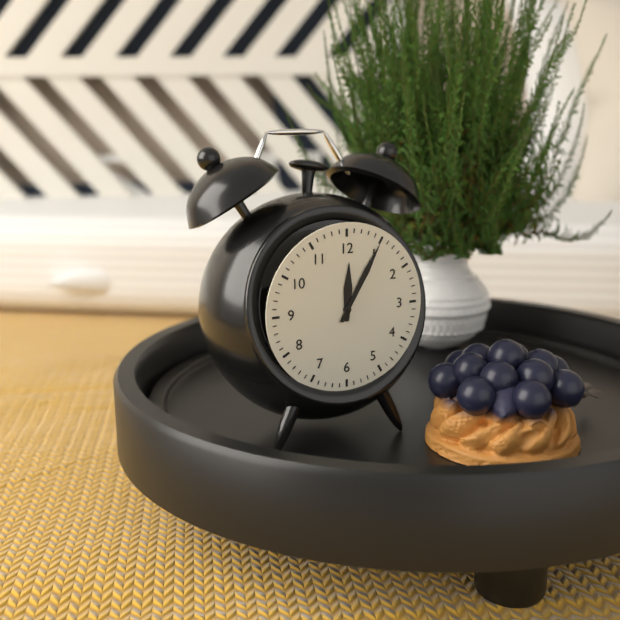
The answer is 12:05
